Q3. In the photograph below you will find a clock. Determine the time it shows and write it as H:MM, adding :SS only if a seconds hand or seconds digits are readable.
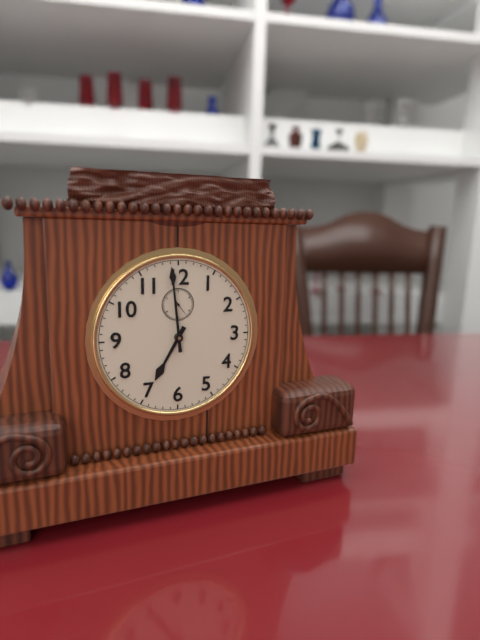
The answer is 6:59
